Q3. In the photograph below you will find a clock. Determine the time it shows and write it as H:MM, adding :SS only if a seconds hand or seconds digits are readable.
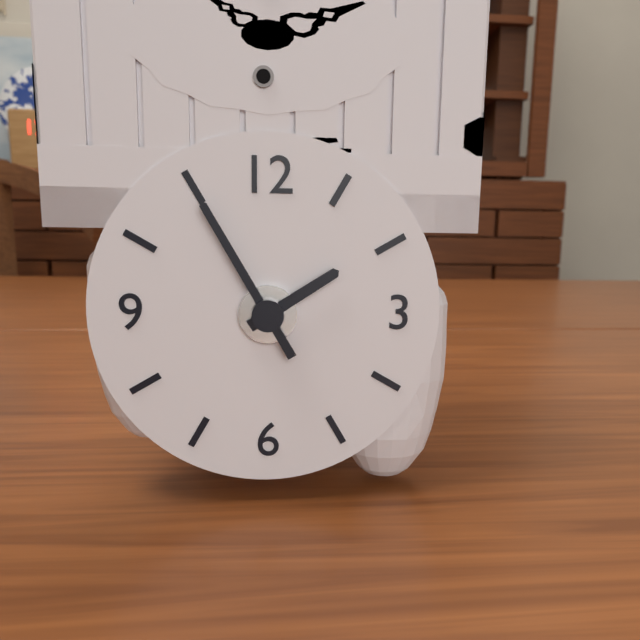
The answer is 1:55
